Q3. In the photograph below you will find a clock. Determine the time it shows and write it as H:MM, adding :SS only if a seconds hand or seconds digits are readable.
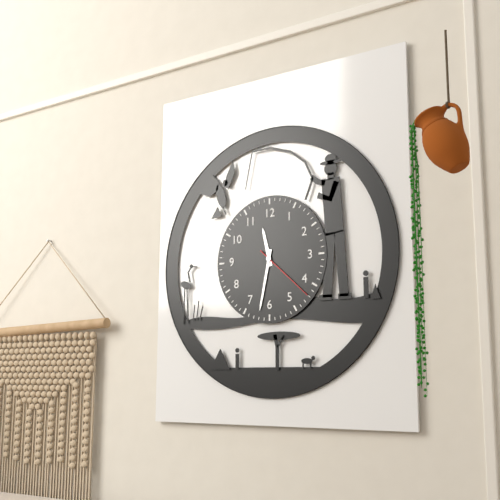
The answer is 11:32:22
